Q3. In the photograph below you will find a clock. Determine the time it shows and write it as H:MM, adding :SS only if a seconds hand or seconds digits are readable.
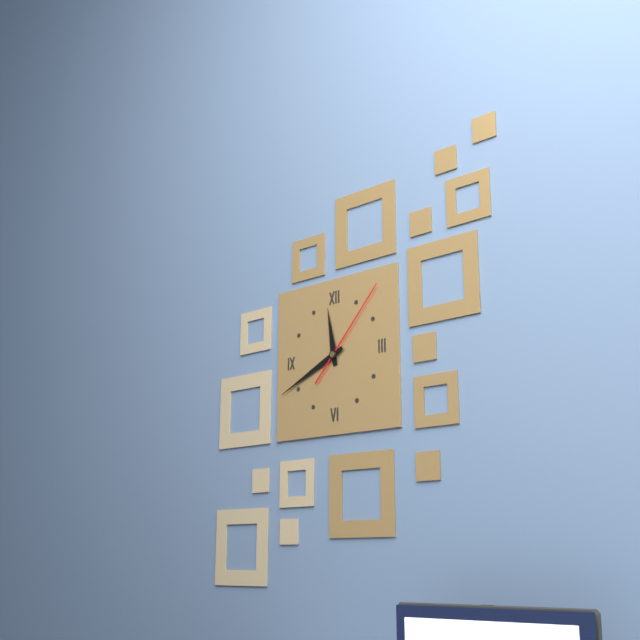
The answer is 11:41:07
